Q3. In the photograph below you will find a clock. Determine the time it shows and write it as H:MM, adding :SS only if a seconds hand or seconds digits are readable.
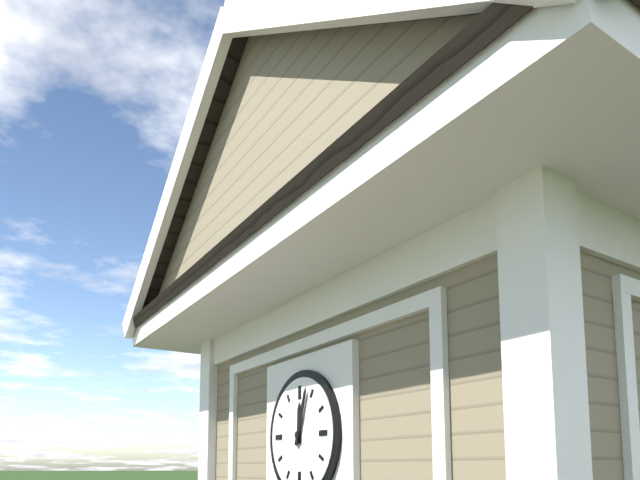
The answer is 12:03
